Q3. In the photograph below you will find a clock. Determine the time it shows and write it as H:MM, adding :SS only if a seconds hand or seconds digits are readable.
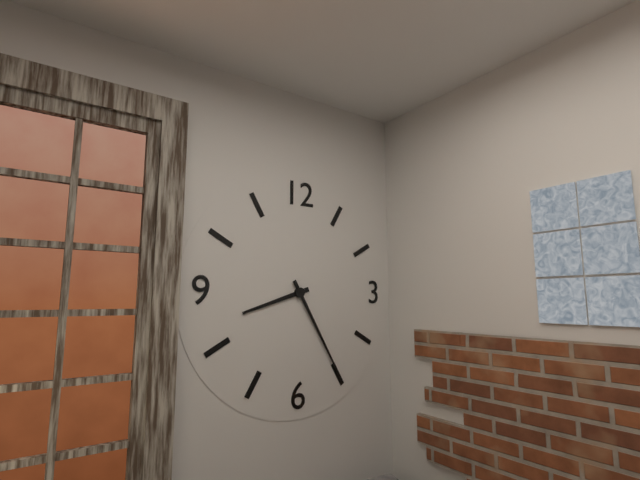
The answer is 8:25
